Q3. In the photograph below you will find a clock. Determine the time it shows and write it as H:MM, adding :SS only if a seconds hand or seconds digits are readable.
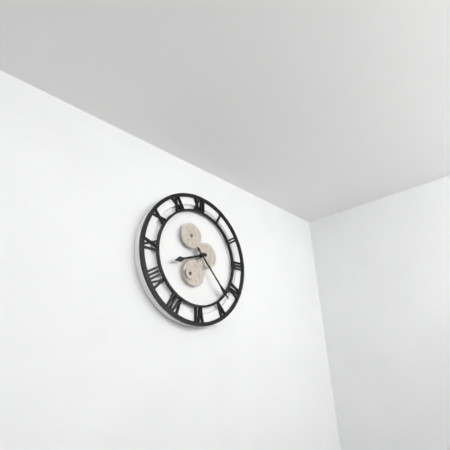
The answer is 8:23
